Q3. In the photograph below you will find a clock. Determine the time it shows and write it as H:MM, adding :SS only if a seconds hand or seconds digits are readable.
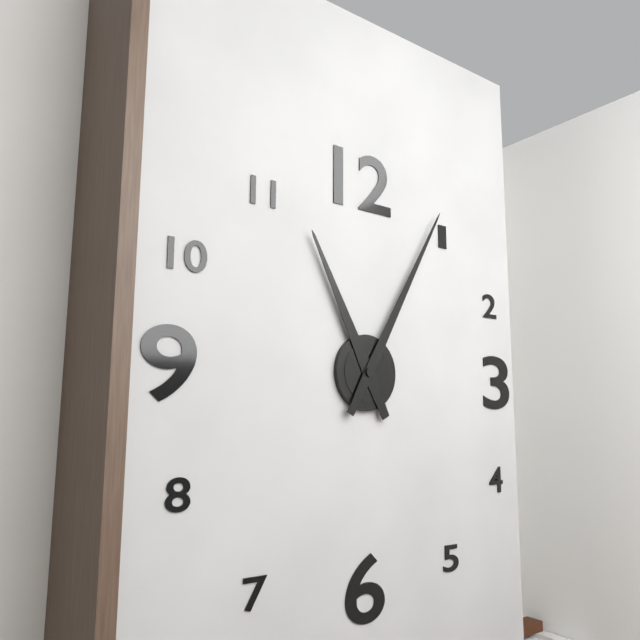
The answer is 11:05
